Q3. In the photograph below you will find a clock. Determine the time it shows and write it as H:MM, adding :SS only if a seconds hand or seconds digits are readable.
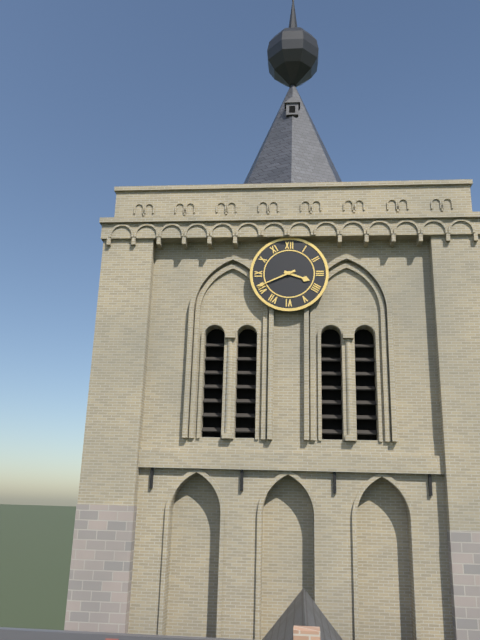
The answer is 3:41
